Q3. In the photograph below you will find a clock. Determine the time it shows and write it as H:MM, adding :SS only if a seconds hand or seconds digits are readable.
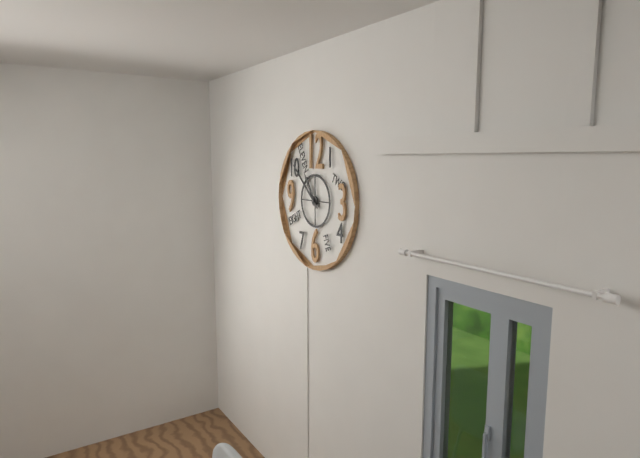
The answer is 10:52
